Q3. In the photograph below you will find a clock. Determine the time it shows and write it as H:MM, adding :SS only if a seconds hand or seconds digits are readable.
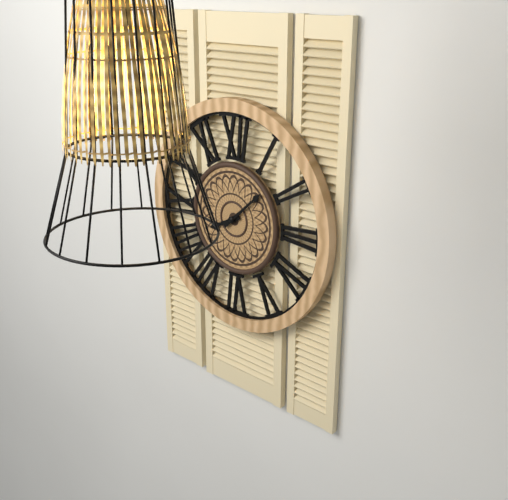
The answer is 8:08
